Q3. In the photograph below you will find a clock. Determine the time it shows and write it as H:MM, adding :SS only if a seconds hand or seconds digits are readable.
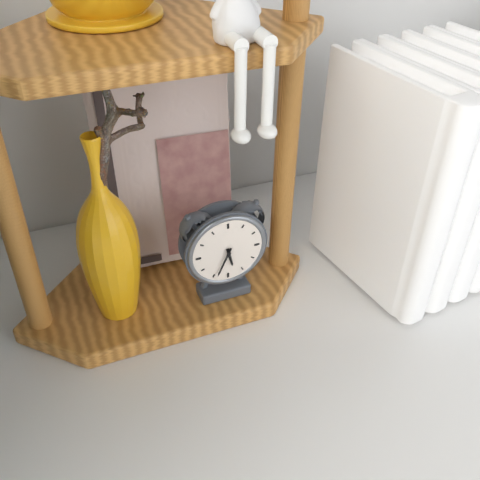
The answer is 5:34
